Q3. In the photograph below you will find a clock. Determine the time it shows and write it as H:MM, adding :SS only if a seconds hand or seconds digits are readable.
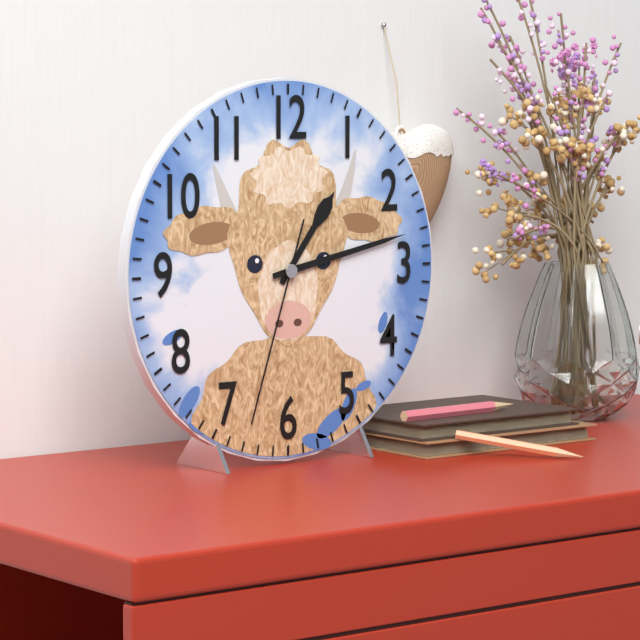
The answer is 1:13:33
